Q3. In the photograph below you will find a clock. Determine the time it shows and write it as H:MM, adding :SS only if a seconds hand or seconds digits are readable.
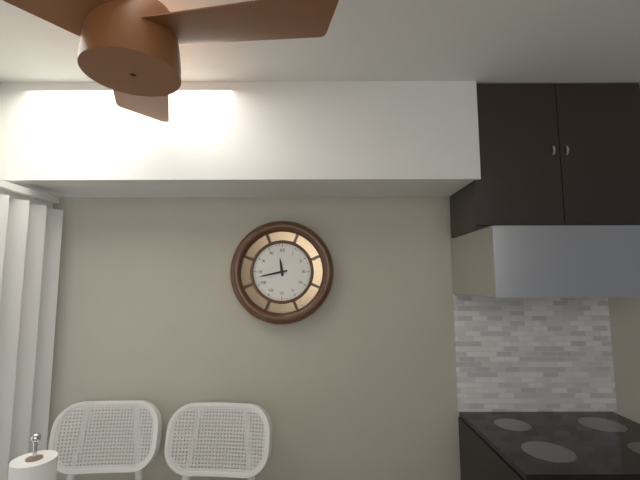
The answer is 11:43
